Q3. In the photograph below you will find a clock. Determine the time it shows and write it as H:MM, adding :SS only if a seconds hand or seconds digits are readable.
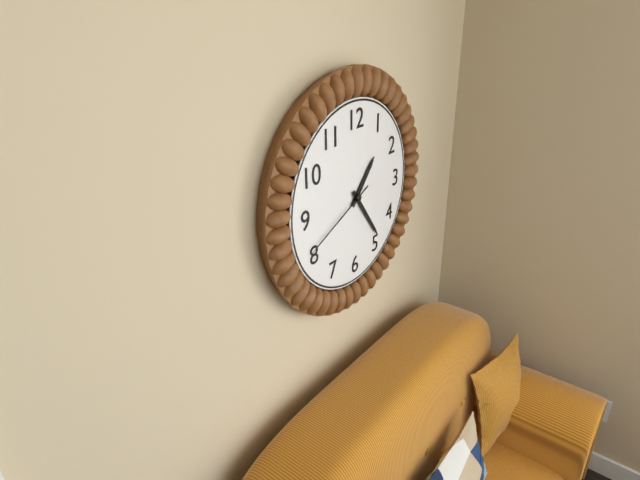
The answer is 1:24:41
